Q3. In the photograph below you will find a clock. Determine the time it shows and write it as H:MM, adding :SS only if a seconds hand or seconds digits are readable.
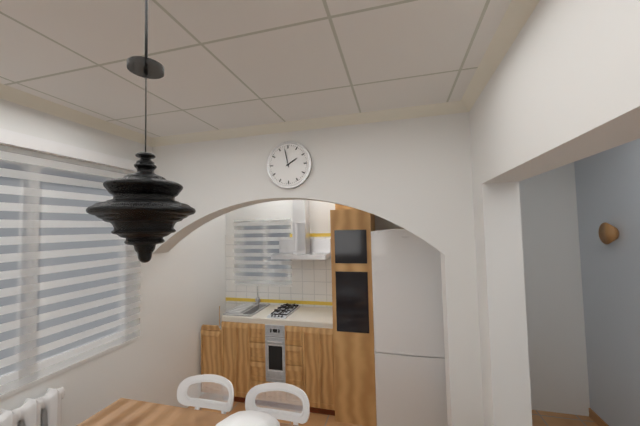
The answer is 1:58
